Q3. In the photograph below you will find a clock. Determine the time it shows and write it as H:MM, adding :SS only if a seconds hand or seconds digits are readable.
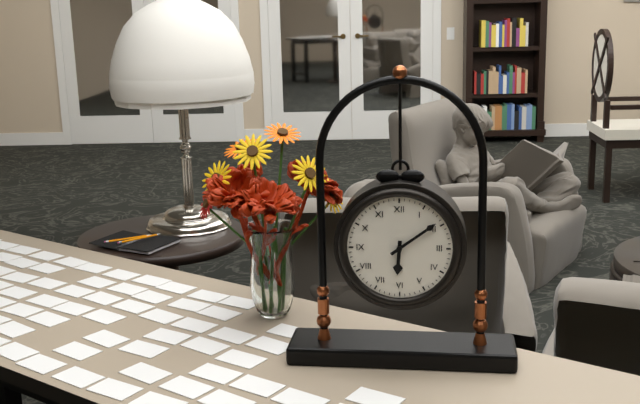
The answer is 6:09
